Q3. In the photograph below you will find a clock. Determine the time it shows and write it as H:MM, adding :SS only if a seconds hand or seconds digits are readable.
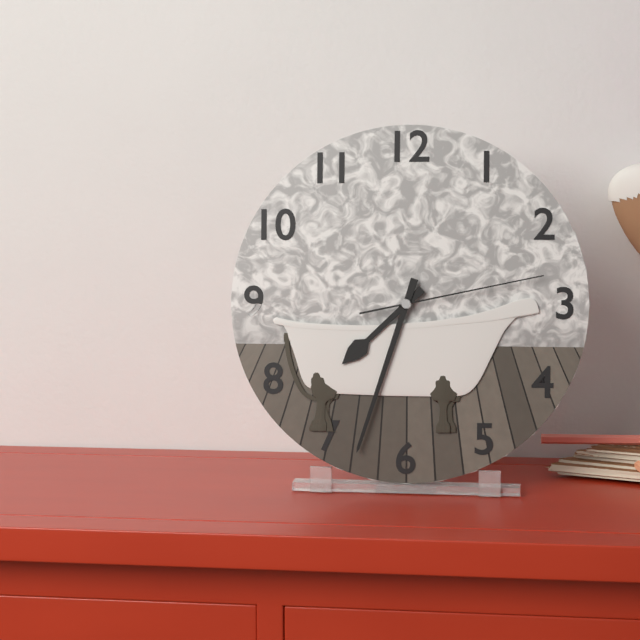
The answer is 7:33:13
